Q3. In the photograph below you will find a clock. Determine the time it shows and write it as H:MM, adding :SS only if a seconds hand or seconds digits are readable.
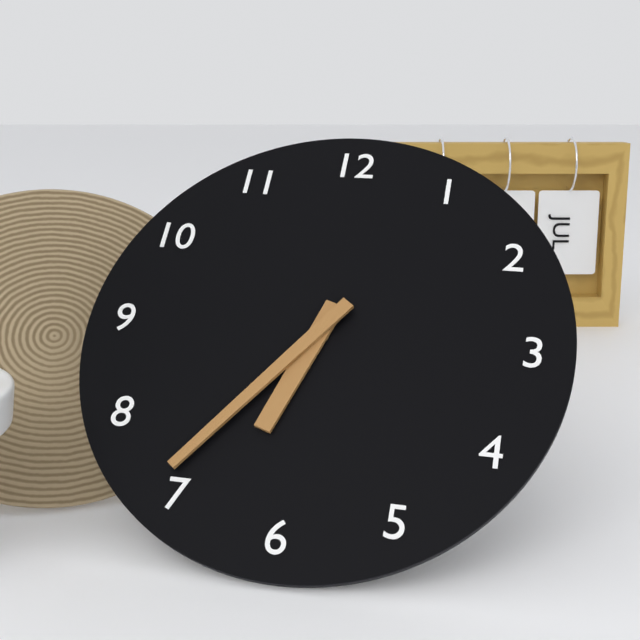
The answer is 6:36
